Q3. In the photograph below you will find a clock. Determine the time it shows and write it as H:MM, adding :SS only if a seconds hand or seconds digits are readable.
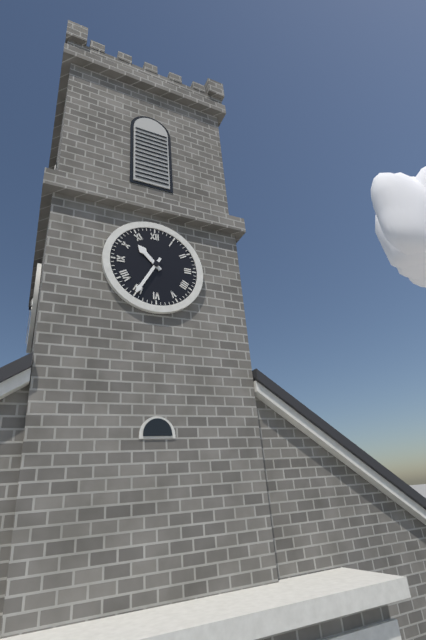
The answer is 10:35
